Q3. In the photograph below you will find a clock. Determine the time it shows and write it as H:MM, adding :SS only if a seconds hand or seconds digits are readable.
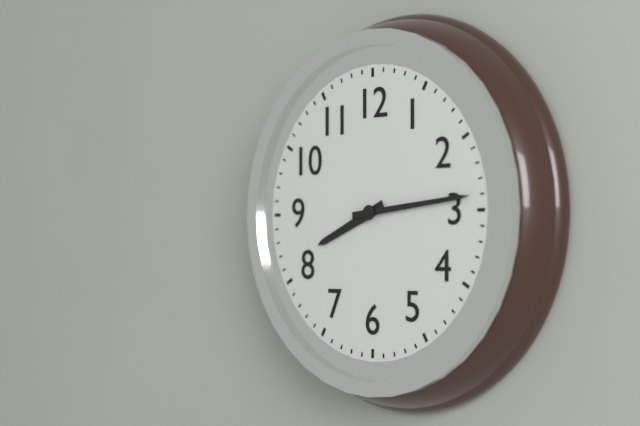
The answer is 8:14
